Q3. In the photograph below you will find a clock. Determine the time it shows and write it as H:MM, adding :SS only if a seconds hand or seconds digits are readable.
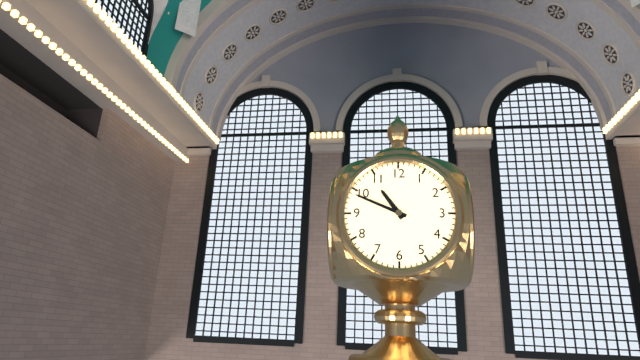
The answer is 10:49
